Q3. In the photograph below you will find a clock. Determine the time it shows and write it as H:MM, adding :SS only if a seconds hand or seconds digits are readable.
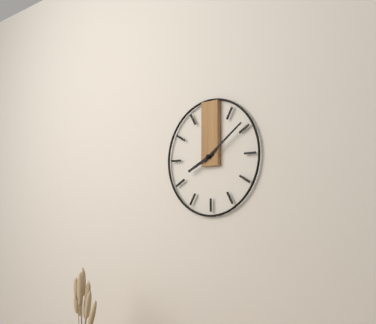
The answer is 8:09
